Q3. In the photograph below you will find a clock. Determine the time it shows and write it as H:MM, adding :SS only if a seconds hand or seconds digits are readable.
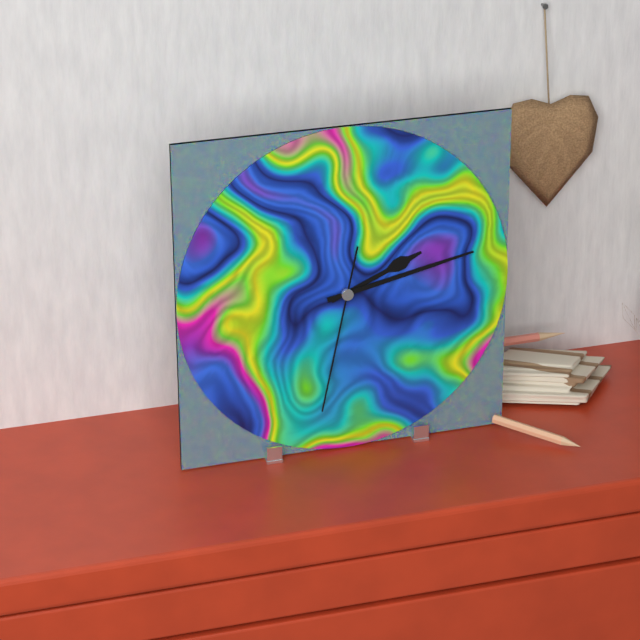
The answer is 2:13:32
